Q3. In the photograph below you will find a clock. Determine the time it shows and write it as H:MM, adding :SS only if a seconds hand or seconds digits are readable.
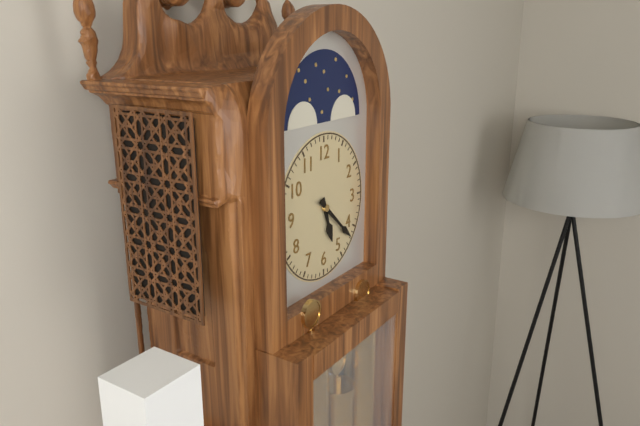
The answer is 5:22
